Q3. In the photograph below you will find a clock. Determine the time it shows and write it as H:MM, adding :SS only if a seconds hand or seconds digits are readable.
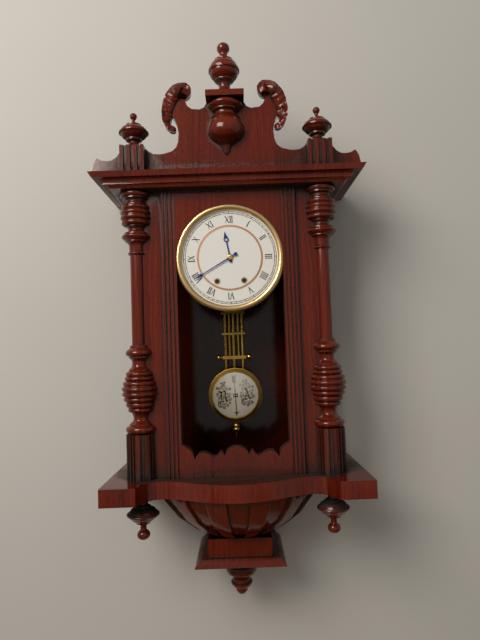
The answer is 11:40
